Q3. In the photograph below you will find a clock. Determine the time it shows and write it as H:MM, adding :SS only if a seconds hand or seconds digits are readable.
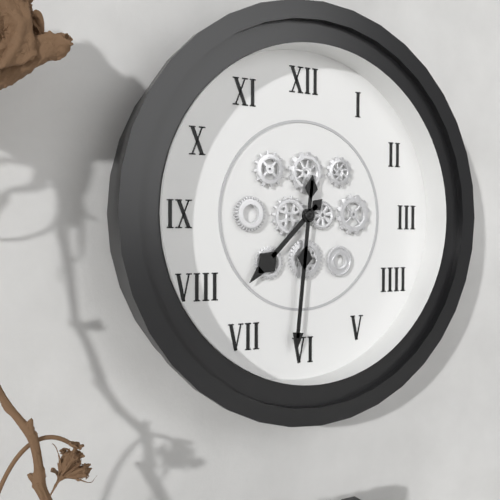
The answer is 7:31
